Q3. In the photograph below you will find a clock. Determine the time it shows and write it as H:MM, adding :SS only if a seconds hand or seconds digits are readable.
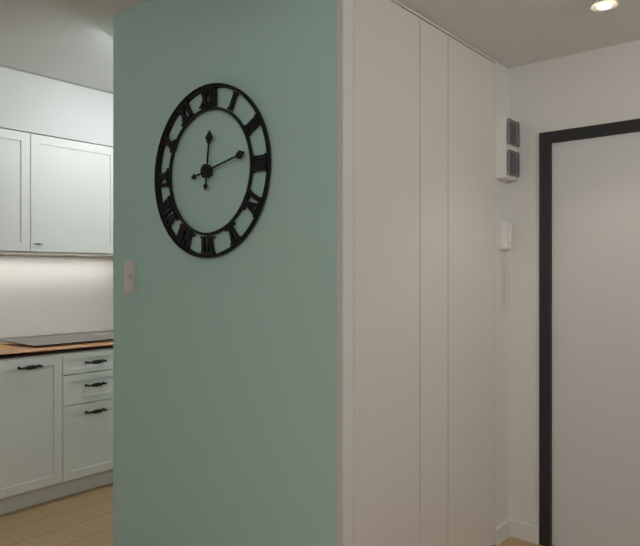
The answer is 12:13
